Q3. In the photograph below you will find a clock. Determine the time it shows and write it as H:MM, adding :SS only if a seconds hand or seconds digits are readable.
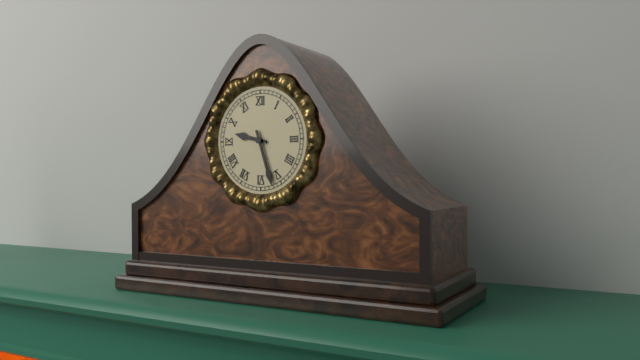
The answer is 9:27
